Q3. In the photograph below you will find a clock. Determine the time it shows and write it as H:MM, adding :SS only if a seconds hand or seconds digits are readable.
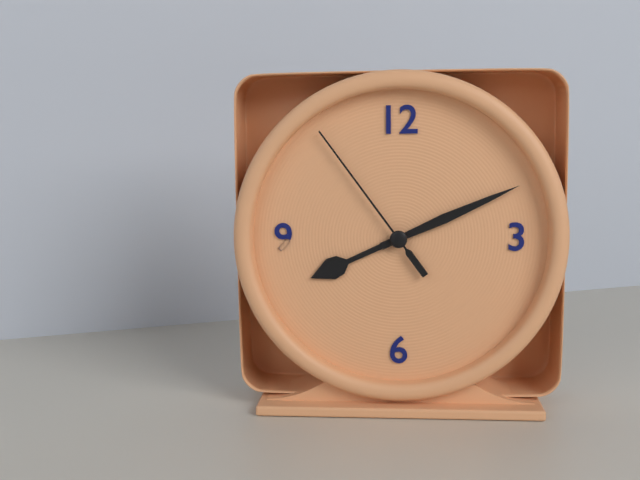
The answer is 8:11:54
